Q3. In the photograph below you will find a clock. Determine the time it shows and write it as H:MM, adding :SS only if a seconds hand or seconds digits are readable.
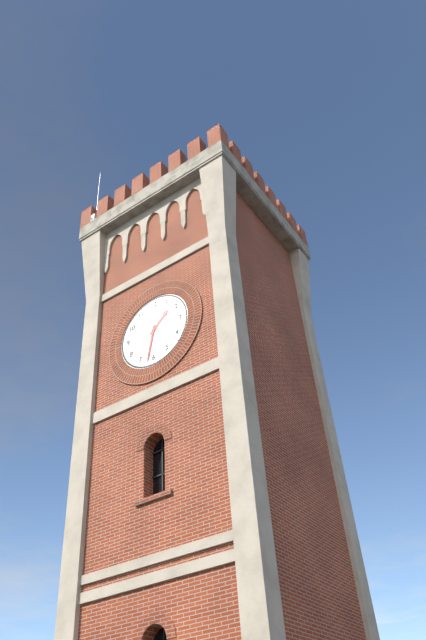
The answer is 1:32
